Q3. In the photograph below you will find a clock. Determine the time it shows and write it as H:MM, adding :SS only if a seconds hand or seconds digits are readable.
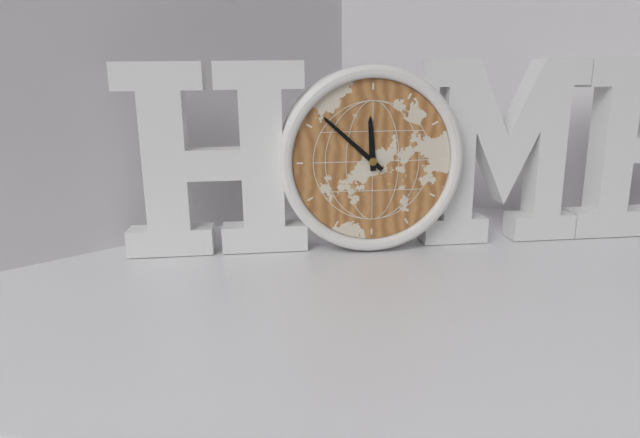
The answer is 11:52
